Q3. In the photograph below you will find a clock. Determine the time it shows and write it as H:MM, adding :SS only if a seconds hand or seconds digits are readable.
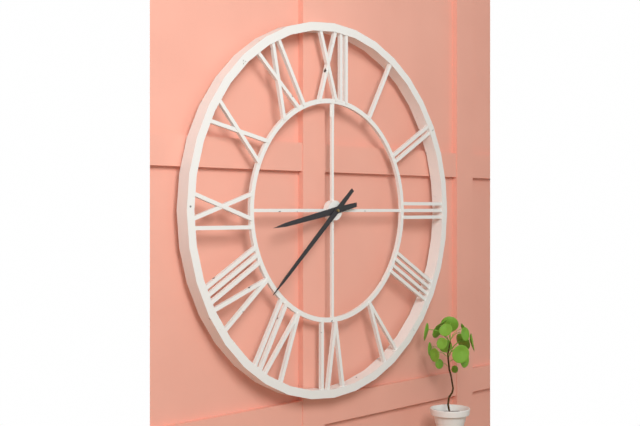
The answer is 8:38
